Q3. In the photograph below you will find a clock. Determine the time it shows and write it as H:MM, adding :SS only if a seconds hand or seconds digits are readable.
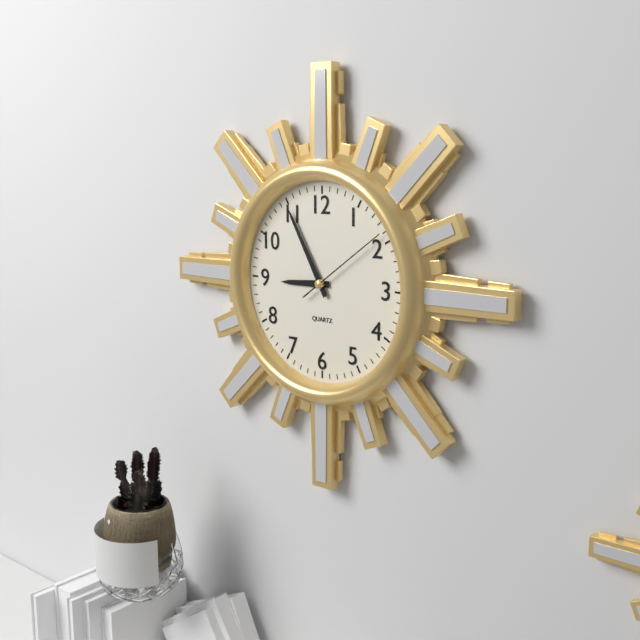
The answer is 8:55:09
